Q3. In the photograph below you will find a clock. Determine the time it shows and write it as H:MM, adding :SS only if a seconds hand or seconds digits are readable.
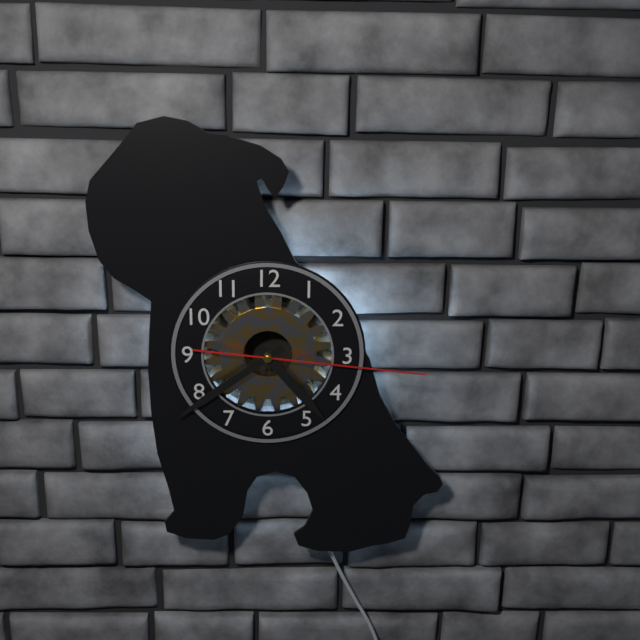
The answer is 4:39:16
